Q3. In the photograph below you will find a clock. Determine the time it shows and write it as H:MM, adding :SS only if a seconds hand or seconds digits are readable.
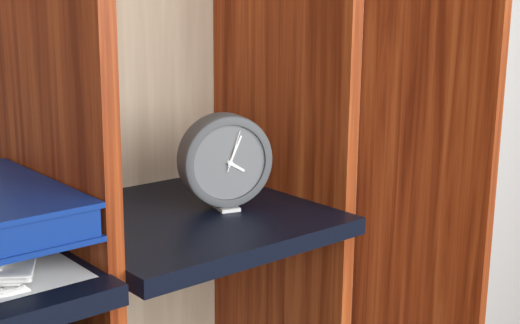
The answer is 4:04
